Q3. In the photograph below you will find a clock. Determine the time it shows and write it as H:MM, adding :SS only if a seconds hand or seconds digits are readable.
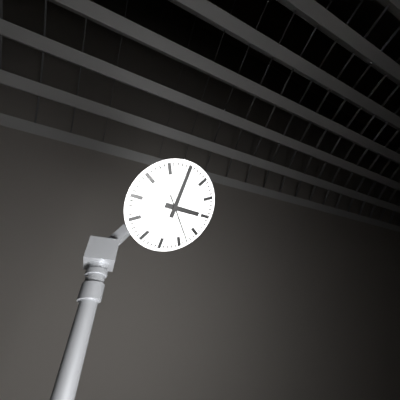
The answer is 3:00
